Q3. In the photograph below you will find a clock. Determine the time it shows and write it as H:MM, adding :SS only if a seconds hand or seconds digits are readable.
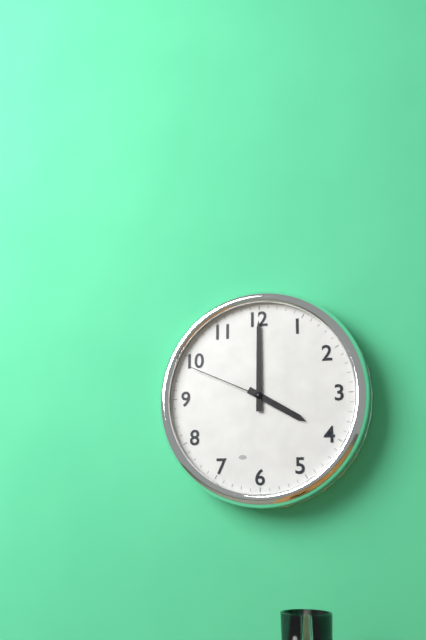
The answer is 4:00:49
